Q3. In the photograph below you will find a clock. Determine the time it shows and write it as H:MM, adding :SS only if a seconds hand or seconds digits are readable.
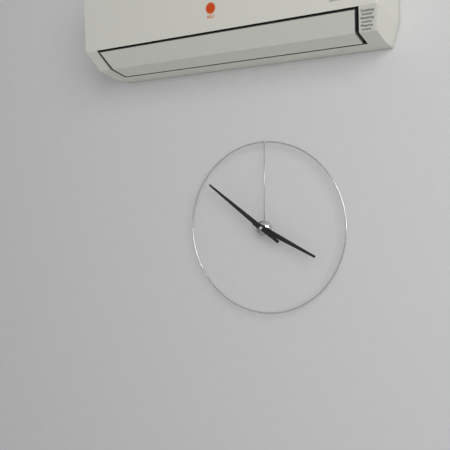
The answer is 3:51
